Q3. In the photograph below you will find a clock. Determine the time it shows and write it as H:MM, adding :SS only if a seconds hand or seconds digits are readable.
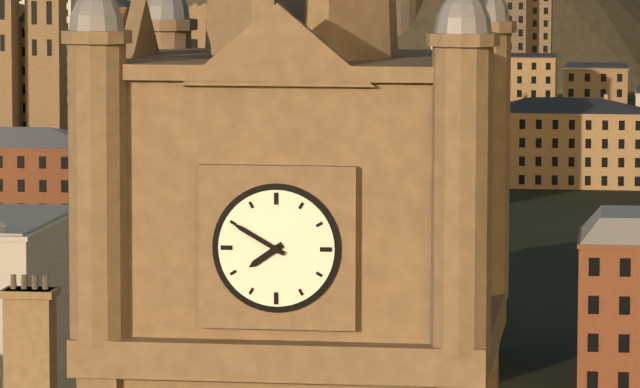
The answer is 7:50
